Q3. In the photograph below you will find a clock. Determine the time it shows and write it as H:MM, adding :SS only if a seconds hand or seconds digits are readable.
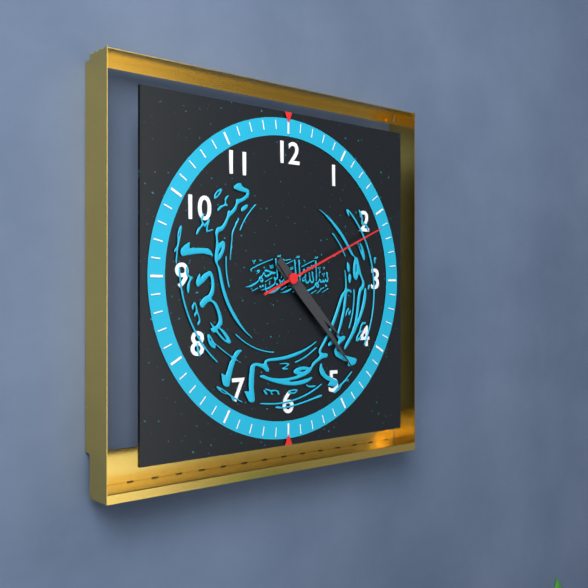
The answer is 4:23:11
